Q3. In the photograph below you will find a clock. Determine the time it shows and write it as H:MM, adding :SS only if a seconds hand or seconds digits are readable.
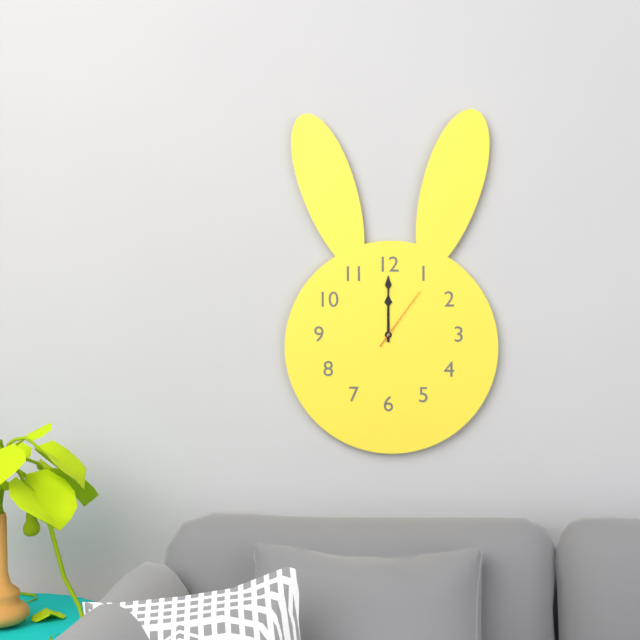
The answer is 12:00:06
